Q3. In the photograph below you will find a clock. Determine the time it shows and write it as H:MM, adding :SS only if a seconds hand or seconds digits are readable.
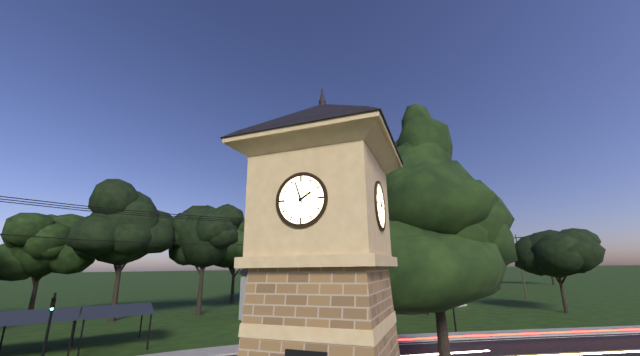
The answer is 1:57
